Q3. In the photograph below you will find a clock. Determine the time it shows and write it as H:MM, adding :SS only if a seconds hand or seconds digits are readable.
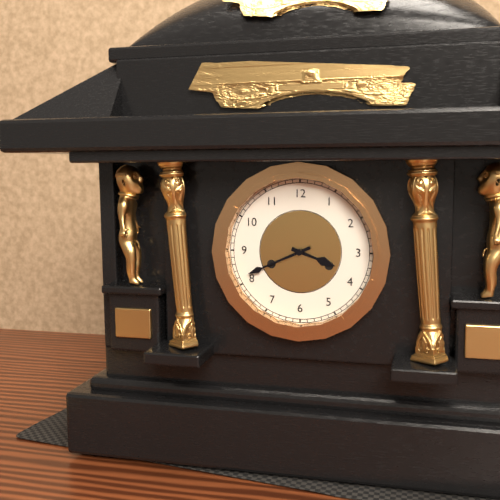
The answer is 3:41
